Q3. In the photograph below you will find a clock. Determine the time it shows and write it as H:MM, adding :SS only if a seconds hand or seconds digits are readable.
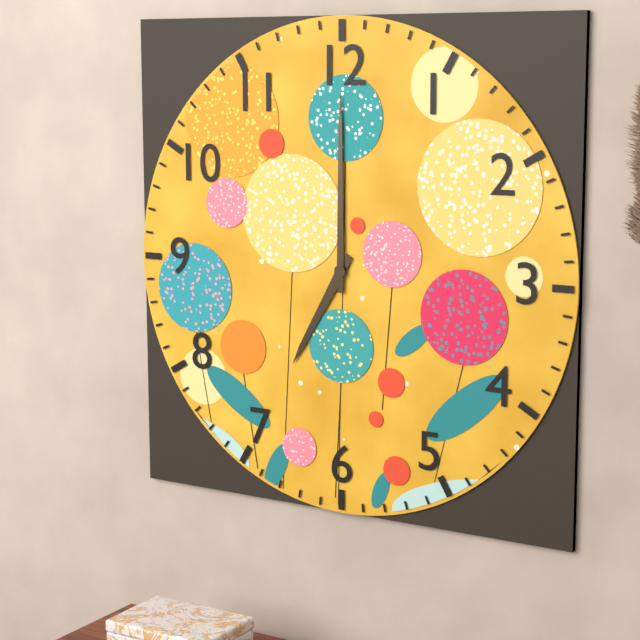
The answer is 7:00
